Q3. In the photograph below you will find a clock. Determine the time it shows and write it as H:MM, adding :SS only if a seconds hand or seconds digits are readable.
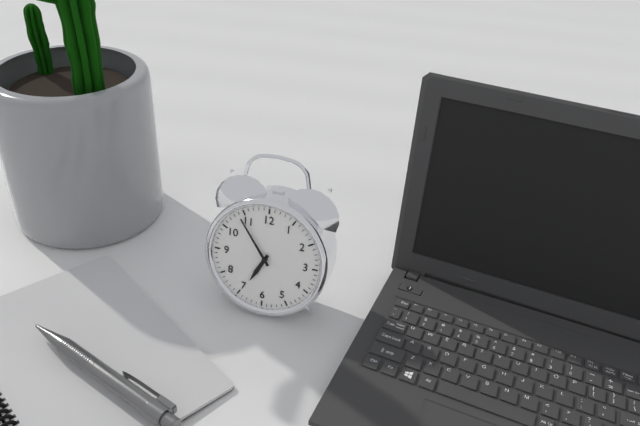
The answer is 6:54
